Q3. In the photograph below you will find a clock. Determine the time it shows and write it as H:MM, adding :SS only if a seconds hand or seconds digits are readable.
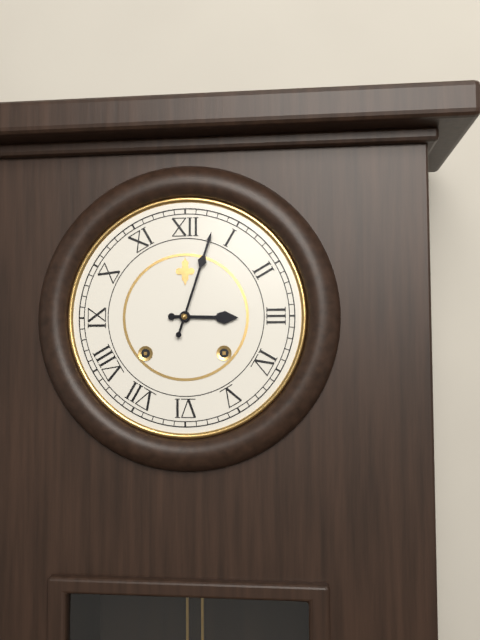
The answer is 3:03
